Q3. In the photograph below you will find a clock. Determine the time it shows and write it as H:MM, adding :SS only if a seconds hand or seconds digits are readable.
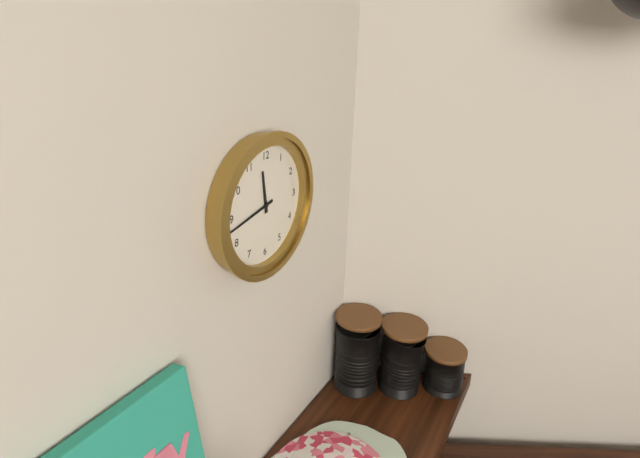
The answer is 11:43
